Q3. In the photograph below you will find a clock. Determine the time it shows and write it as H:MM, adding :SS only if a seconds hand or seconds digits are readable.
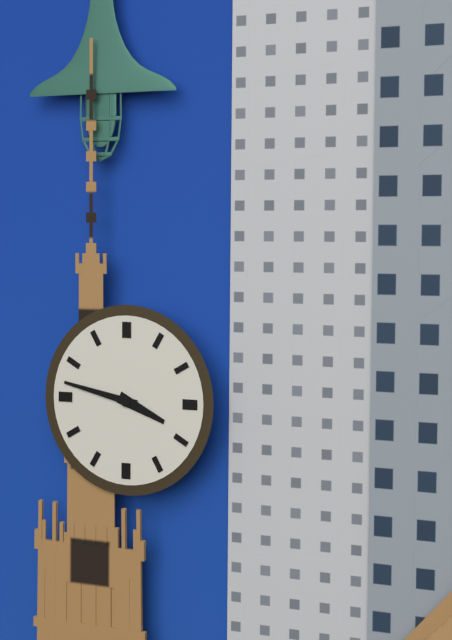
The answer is 3:47
